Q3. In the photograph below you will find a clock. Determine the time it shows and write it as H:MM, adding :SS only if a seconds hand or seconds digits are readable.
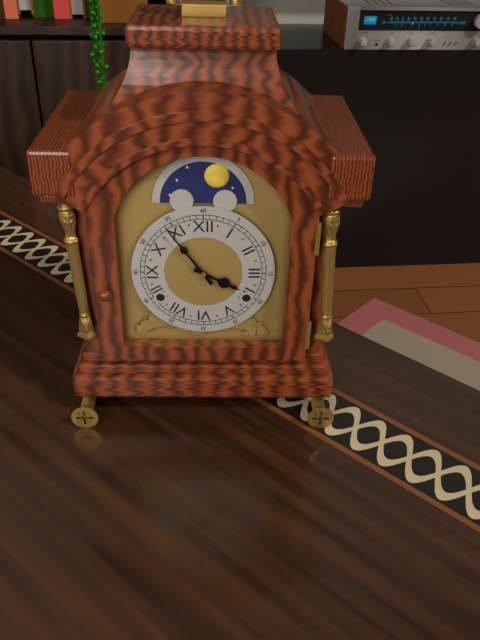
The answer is 3:54
